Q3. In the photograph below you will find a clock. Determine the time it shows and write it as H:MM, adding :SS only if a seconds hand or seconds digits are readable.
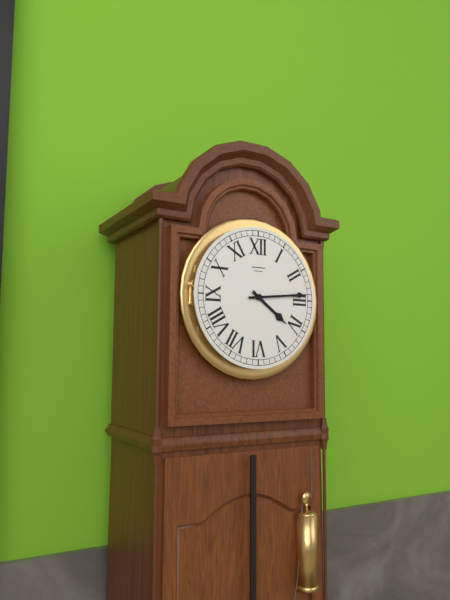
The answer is 4:14
